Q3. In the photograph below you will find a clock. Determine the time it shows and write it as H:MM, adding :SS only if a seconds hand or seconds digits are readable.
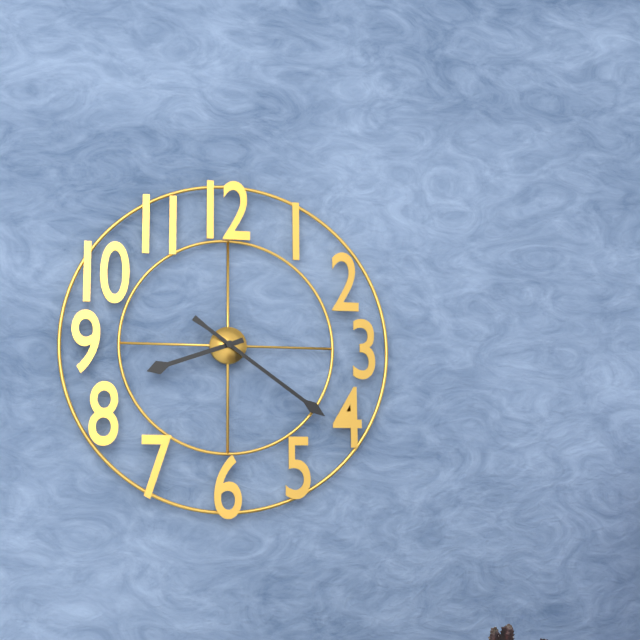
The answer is 8:21
